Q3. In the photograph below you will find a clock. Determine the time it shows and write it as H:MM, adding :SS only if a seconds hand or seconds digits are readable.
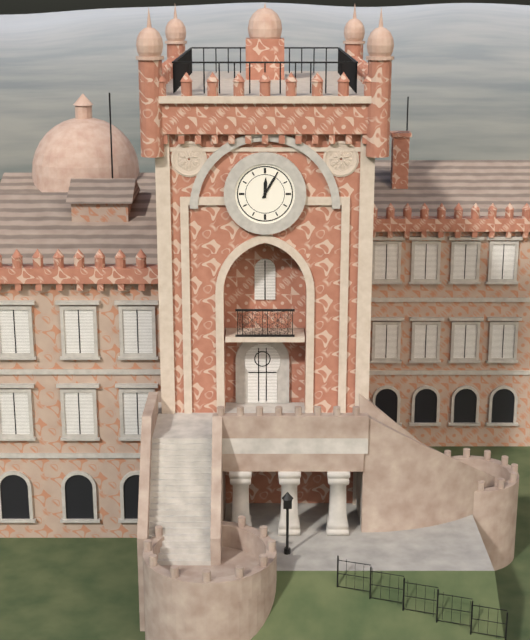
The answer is 12:05
